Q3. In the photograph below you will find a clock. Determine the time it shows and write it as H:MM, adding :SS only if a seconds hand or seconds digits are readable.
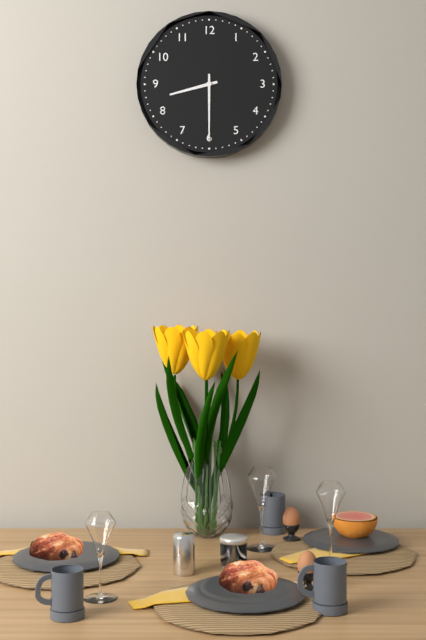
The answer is 8:30
